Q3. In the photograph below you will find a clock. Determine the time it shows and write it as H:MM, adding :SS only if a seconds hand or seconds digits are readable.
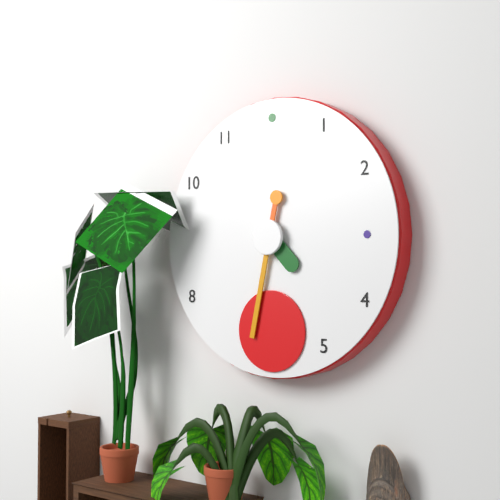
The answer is 4:32
